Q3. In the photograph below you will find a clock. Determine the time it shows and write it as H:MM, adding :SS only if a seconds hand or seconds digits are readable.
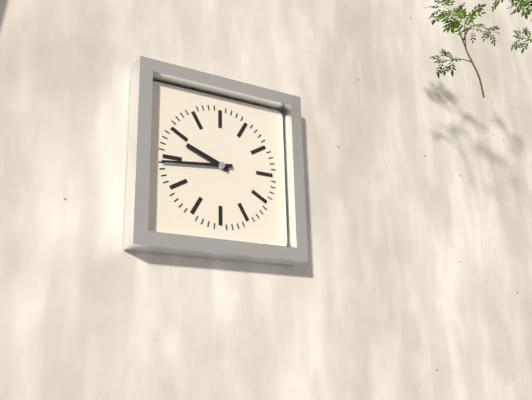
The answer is 9:44
